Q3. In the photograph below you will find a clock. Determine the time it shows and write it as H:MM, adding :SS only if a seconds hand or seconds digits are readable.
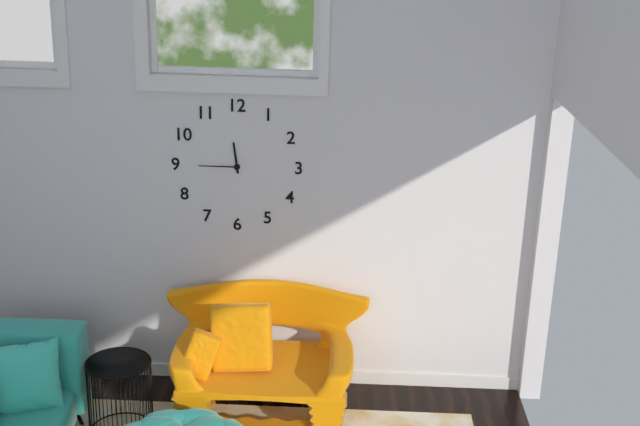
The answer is 11:45
